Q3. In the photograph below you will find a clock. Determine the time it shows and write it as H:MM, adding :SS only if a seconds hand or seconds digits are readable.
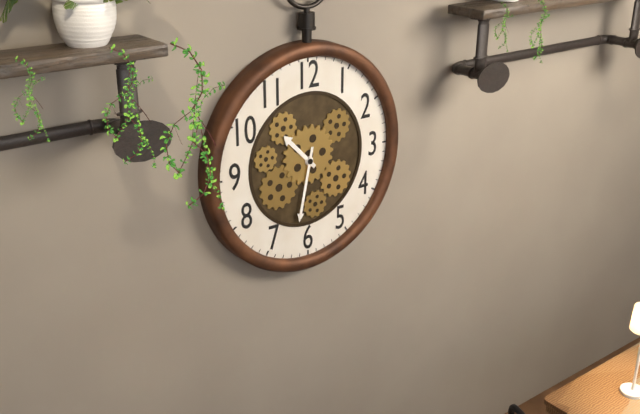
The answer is 10:32
